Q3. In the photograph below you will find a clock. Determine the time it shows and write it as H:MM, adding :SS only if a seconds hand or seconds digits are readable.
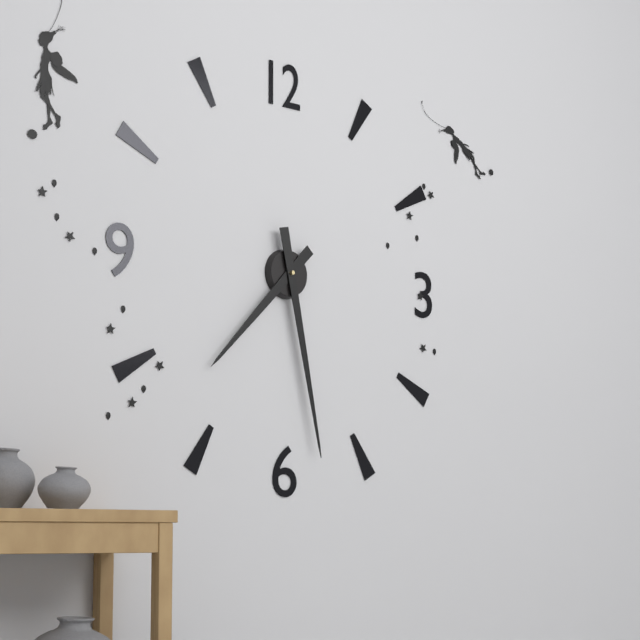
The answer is 7:28
